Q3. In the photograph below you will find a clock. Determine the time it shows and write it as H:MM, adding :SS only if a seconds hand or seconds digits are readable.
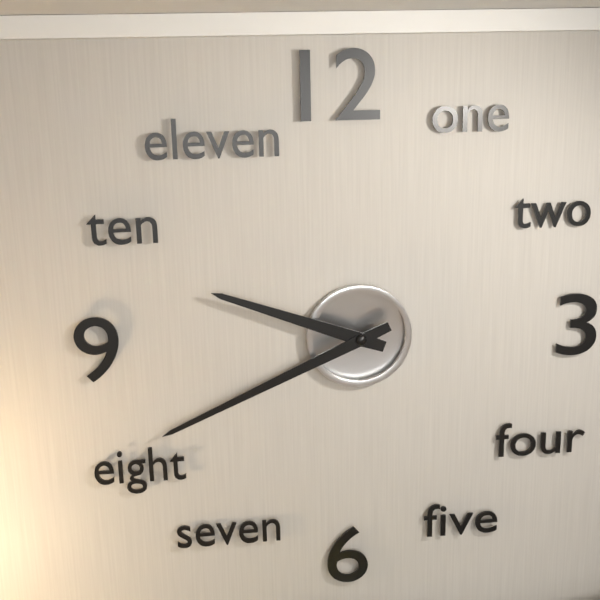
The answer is 9:41
